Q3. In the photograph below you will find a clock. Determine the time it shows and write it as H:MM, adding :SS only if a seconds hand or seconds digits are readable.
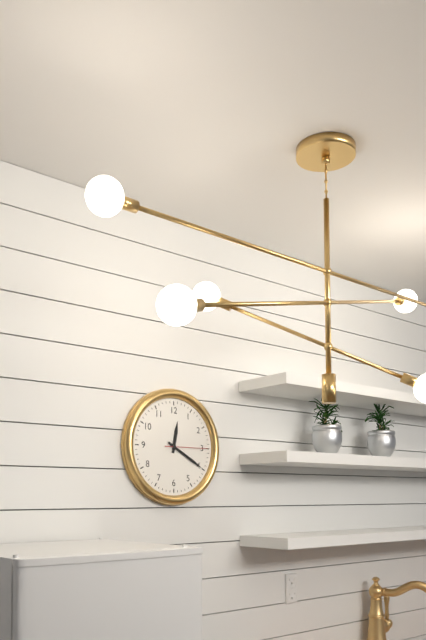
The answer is 12:20
